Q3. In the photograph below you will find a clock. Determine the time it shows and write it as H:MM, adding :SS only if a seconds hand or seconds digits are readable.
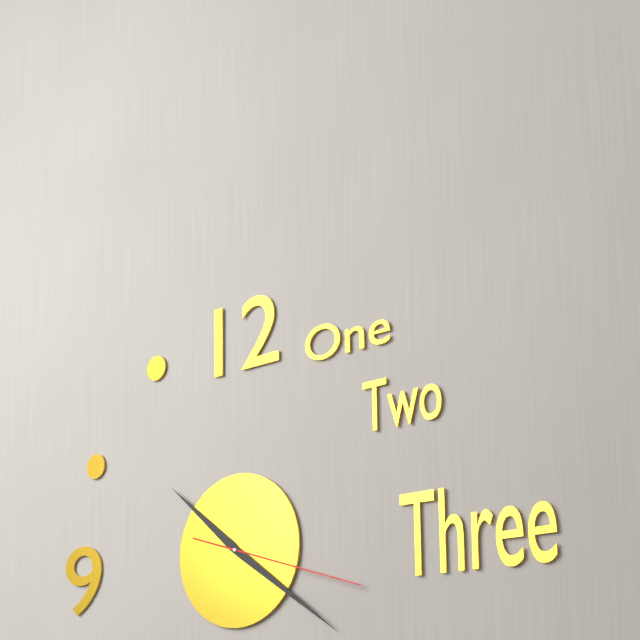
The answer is 10:21:18
